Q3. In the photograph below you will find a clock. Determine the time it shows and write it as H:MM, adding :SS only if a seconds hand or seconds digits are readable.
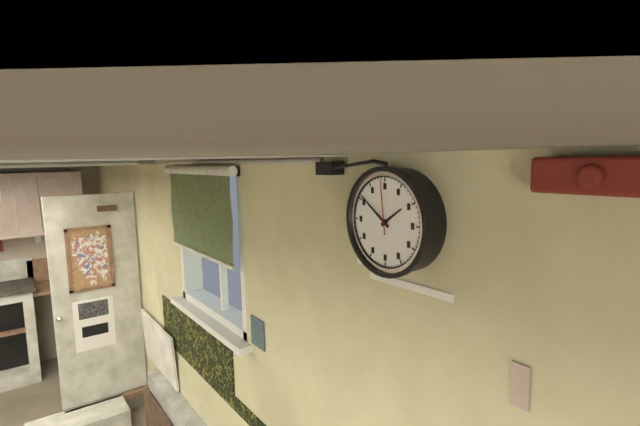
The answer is 1:51:59
